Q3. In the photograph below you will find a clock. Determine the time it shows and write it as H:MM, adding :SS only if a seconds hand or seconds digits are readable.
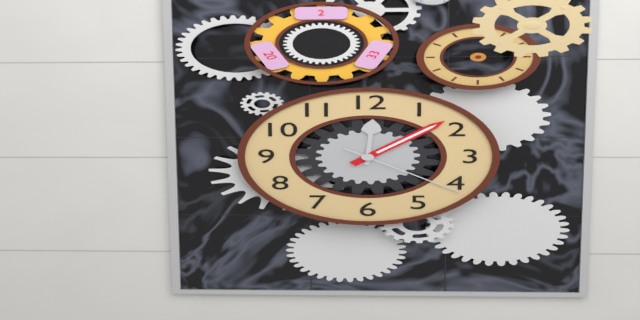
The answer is 12:08:21
